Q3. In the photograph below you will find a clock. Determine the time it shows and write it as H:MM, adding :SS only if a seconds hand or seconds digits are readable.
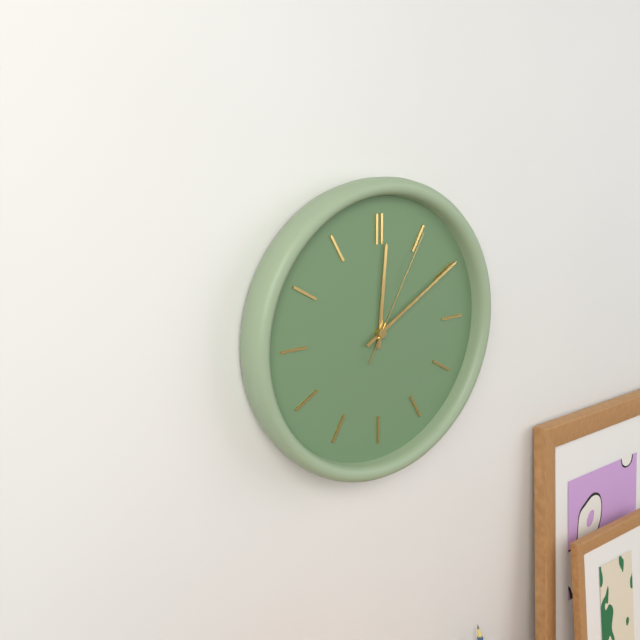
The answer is 12:10:05
